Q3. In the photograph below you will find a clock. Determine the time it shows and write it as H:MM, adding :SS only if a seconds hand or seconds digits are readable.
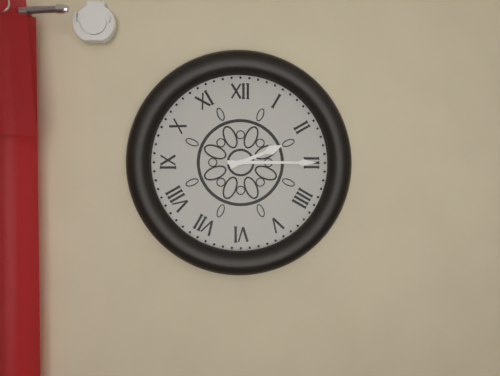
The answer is 2:15
